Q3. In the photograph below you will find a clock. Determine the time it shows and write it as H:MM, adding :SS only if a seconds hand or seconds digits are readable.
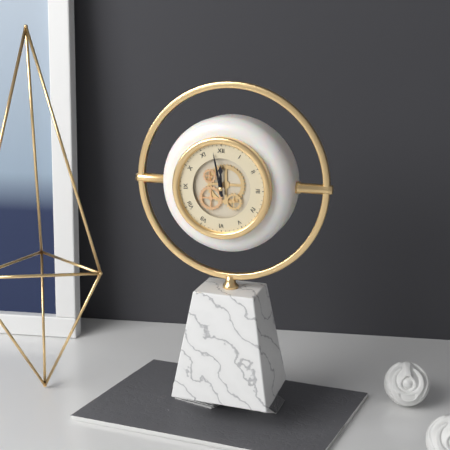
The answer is 11:58
